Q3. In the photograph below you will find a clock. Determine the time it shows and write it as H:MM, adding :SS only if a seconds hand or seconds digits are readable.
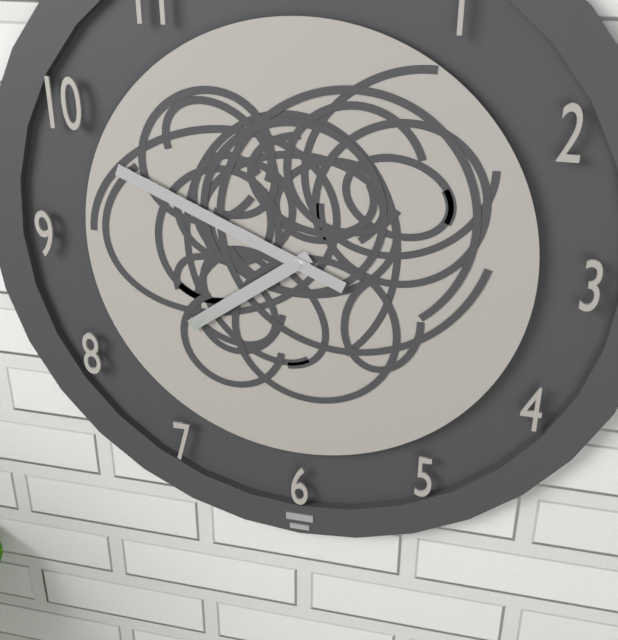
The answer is 7:49
